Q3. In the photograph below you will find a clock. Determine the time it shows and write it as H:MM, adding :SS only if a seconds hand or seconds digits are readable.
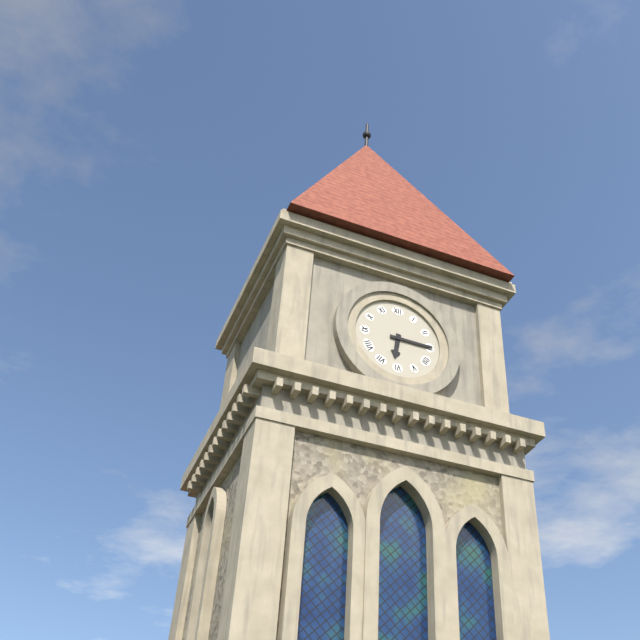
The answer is 6:15
